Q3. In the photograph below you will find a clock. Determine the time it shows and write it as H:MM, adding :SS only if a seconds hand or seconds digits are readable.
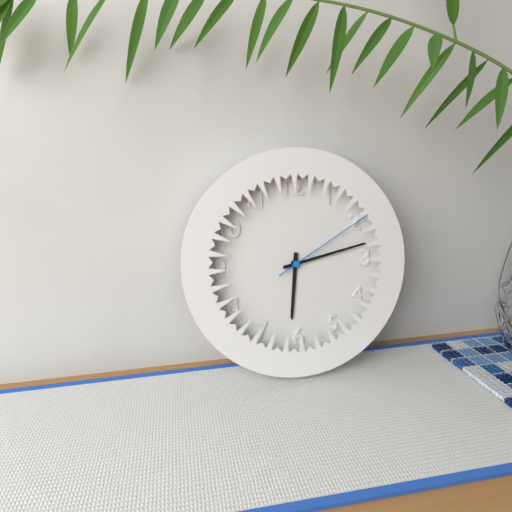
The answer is 6:13:10
